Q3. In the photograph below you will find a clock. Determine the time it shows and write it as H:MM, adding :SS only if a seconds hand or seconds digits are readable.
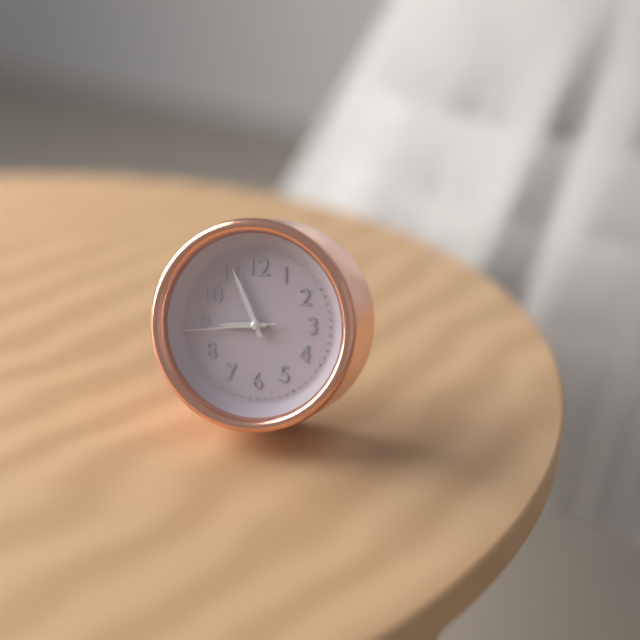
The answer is 8:56:44
